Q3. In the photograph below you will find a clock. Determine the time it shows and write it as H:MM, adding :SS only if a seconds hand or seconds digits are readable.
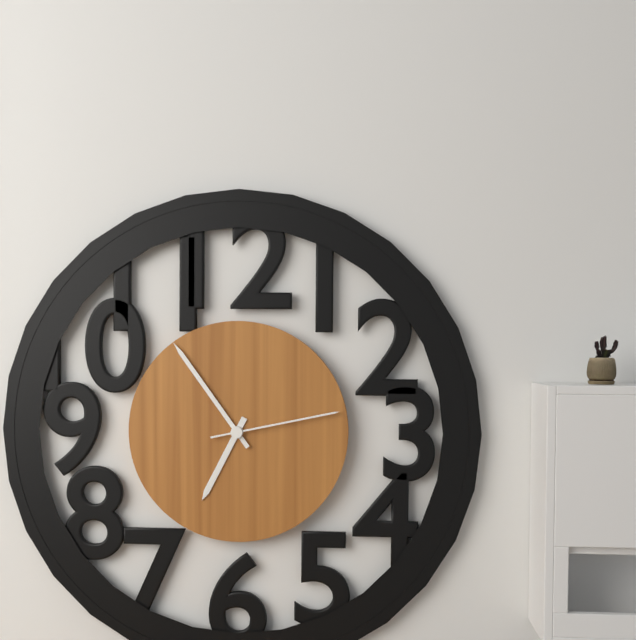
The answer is 6:54:13
